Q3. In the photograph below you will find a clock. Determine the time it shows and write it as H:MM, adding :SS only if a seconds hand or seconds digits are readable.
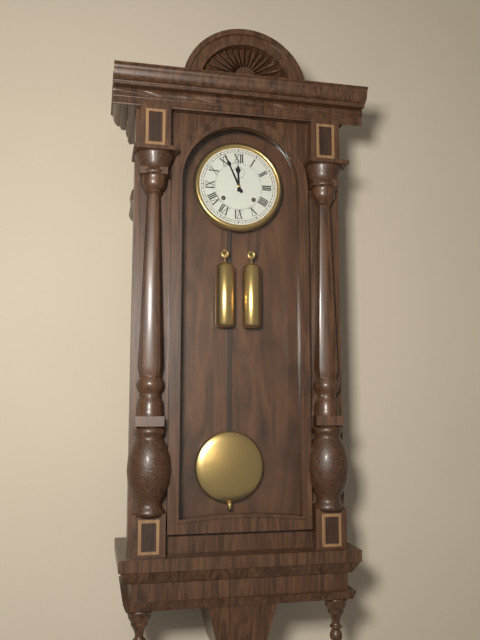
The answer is 11:56
